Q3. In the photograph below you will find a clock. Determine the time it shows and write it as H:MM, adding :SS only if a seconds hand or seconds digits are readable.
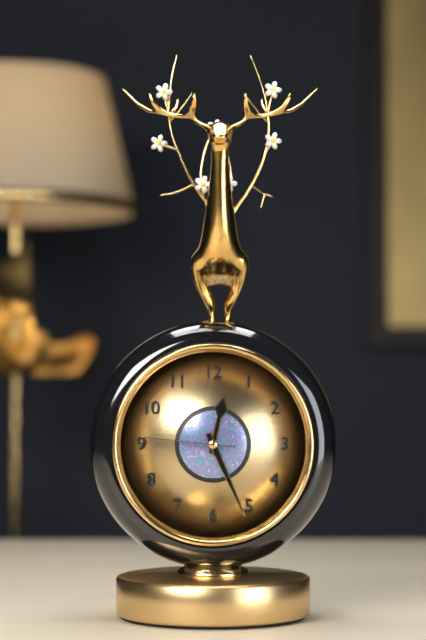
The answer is 12:26:46
